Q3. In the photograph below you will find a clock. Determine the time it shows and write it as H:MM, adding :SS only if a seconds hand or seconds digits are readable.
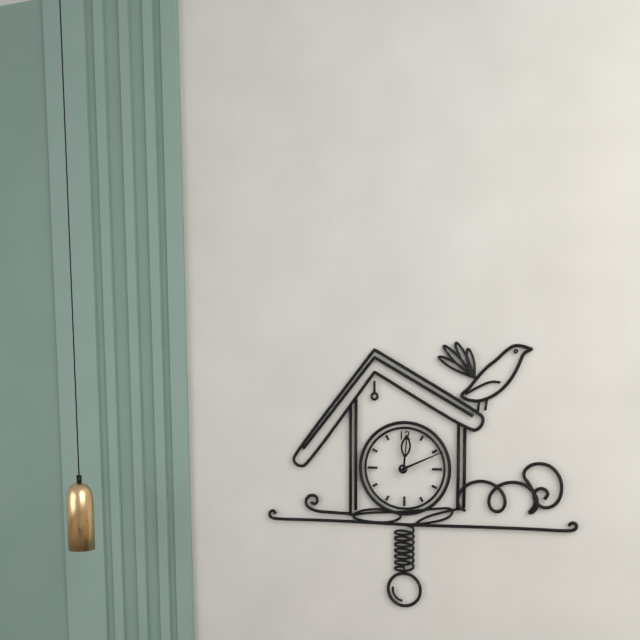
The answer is 12:11
